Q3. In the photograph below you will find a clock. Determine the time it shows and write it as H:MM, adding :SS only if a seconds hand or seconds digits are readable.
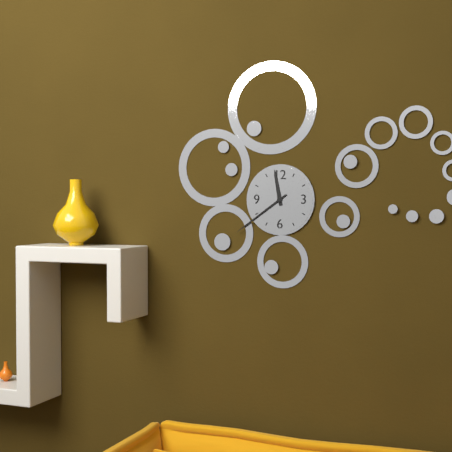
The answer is 11:39
